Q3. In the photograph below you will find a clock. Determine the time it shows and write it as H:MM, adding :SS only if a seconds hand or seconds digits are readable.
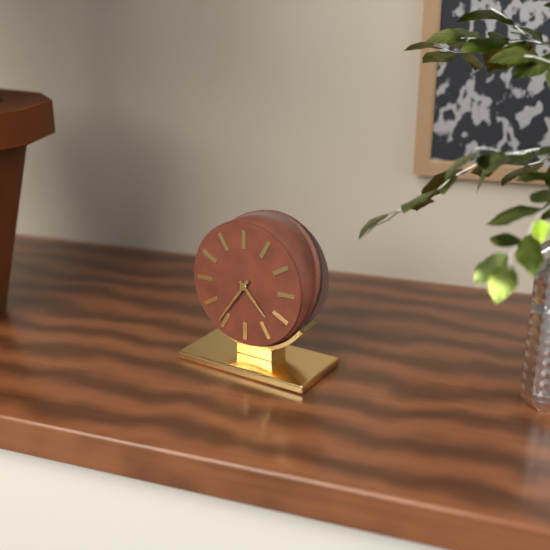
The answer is 4:36
